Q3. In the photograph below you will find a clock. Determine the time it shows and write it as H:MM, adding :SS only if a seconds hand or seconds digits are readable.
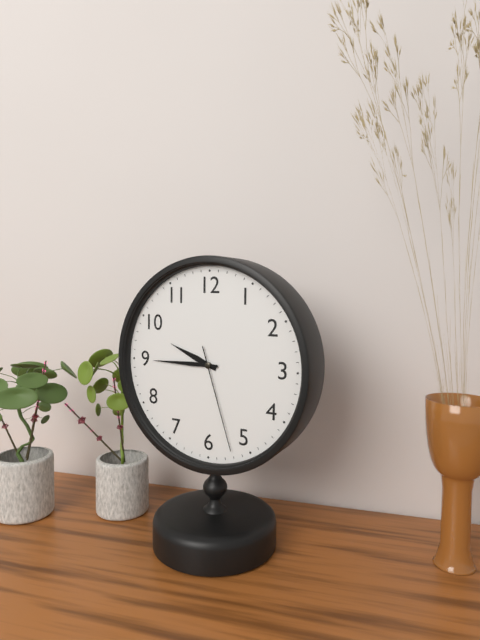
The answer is 9:45:27
